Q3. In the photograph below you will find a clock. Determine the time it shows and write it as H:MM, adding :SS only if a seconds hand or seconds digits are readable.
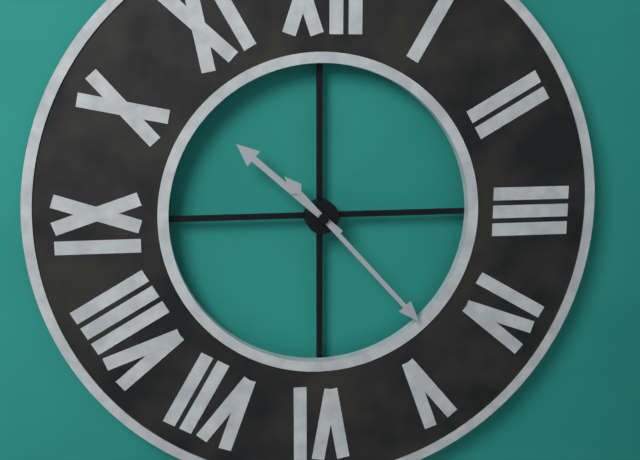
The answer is 10:23
